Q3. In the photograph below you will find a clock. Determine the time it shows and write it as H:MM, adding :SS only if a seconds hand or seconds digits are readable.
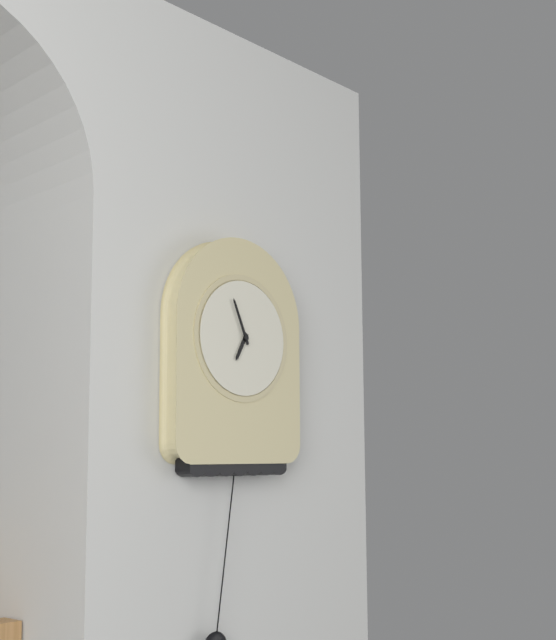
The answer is 6:56
